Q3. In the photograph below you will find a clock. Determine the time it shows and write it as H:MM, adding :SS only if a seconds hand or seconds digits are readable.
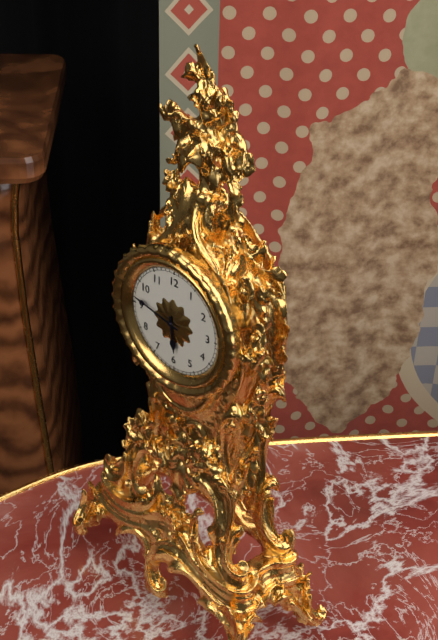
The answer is 5:47
